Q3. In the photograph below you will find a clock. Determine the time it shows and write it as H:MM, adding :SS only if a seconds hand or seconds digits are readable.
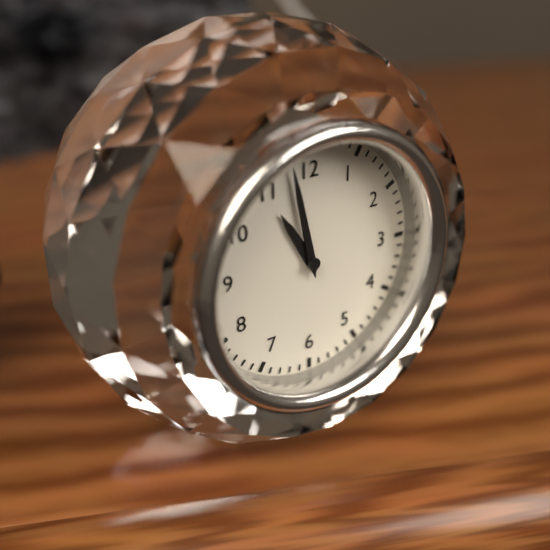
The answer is 10:58
